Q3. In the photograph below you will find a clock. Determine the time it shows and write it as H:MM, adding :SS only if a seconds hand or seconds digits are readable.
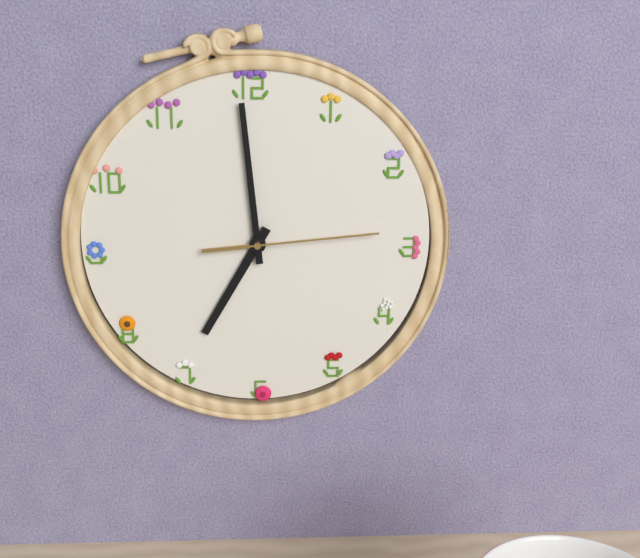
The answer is 6:59:14
